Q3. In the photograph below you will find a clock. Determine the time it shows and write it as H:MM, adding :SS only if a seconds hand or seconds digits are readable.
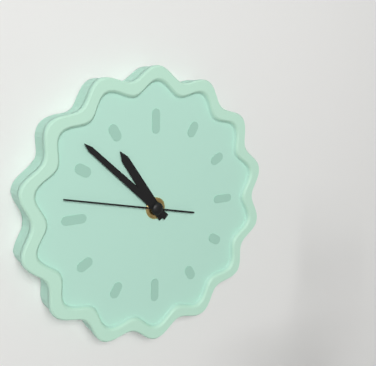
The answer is 10:52:47
